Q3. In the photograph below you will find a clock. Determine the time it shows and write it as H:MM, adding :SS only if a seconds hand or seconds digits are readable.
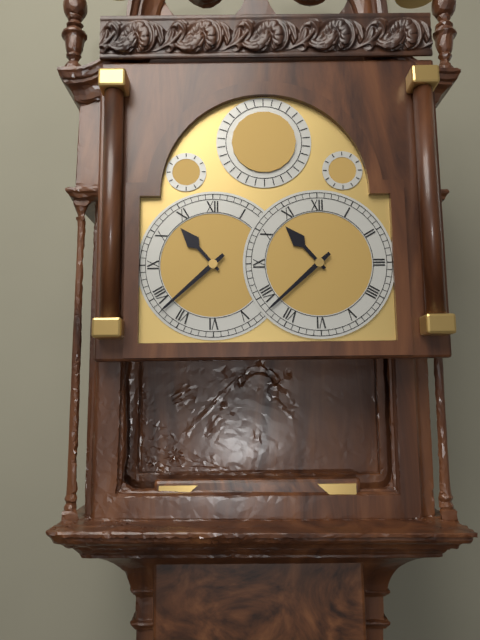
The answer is 10:38
